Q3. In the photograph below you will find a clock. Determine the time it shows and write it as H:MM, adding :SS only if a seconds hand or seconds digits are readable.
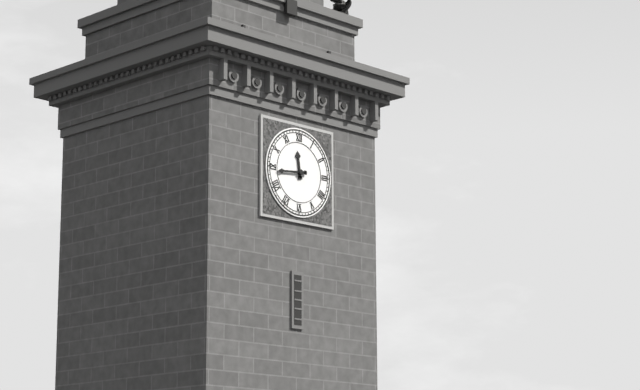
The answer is 11:44
